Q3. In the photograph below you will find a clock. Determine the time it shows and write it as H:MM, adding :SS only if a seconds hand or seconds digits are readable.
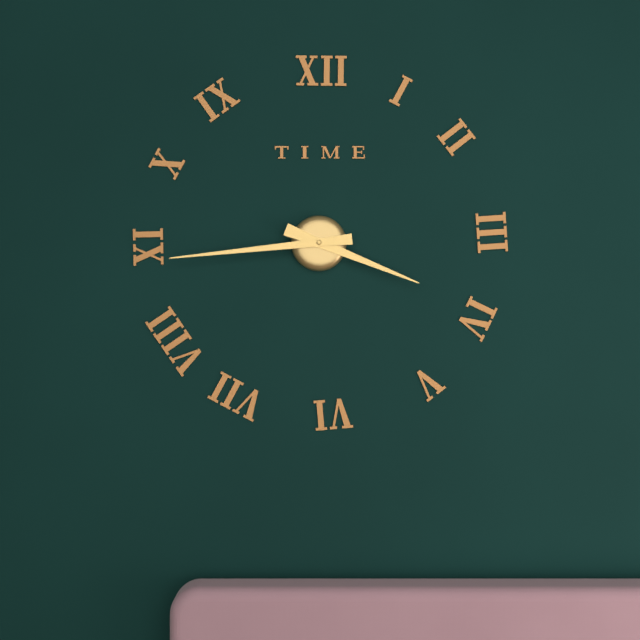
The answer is 3:44
